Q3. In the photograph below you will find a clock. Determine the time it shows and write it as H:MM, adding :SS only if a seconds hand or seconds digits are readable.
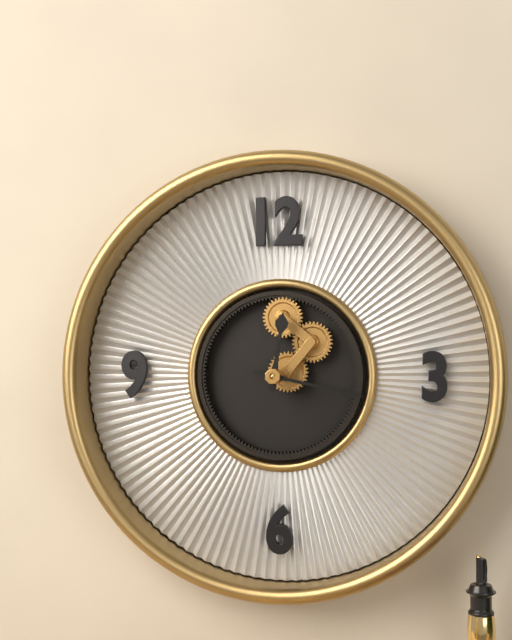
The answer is 12:17
